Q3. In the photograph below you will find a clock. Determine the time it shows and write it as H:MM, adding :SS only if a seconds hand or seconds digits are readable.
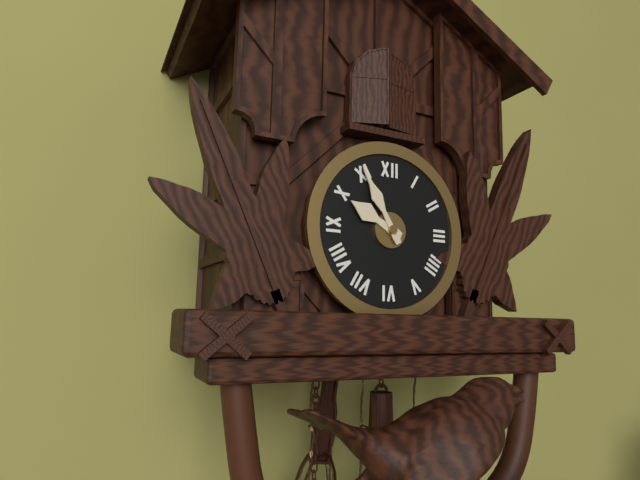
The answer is 9:55
